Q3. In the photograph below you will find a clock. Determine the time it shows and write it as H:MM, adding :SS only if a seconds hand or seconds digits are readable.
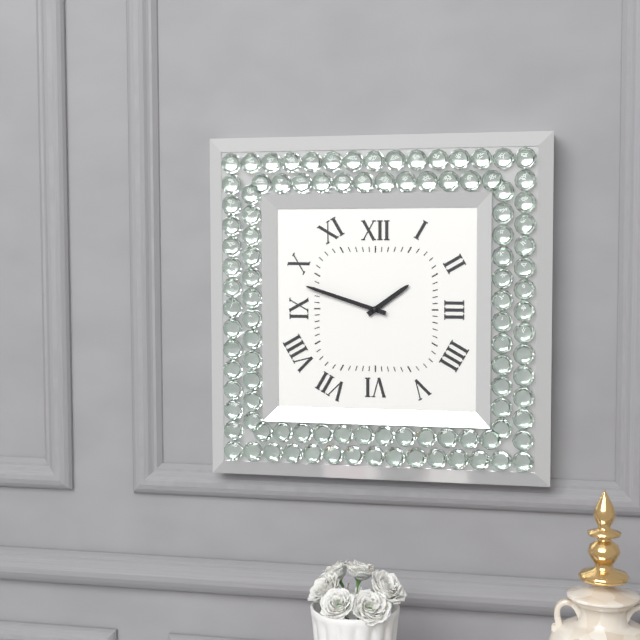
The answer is 1:48
